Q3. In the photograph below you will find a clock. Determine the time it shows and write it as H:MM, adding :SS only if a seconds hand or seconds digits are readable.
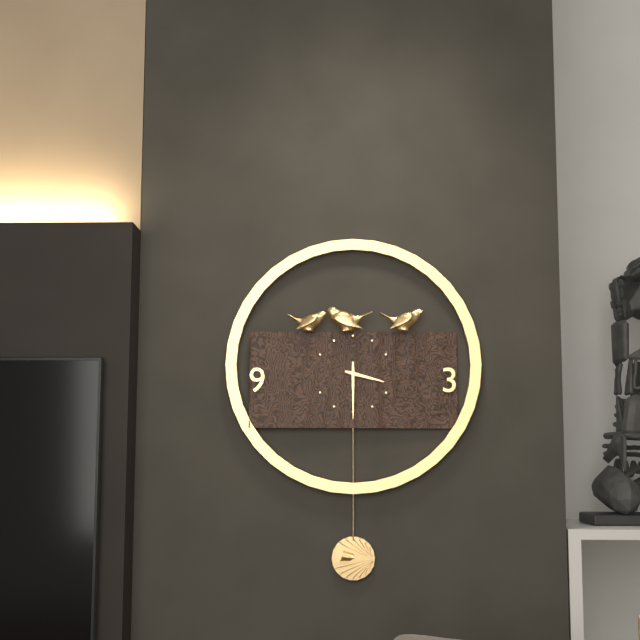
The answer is 3:30
